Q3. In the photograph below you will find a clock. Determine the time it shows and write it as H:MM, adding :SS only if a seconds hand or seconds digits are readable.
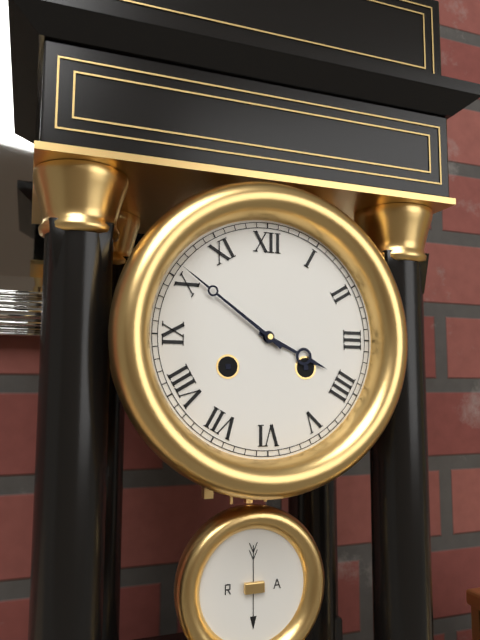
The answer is 3:51
